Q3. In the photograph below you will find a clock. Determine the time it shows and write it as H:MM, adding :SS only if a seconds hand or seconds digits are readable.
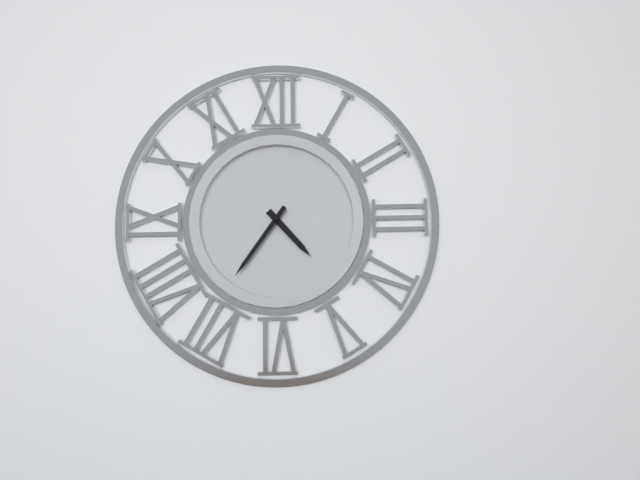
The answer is 4:36
